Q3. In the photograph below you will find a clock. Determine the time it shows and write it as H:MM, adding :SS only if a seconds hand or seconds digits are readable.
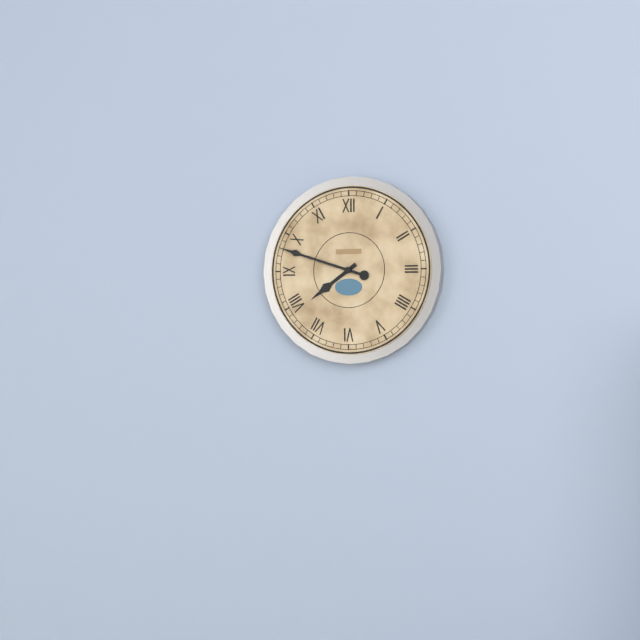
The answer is 7:48
